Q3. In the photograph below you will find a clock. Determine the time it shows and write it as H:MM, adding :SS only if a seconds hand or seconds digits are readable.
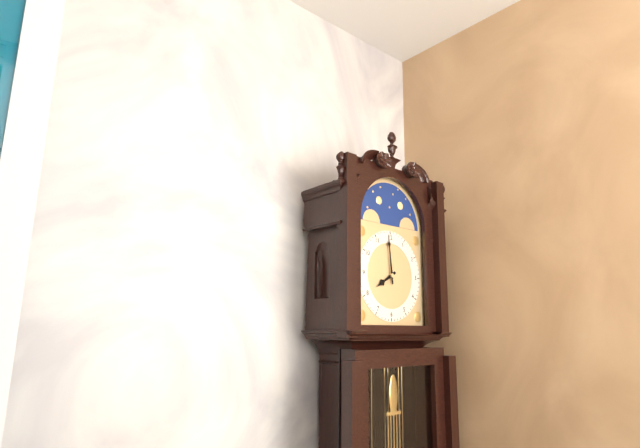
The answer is 7:59
